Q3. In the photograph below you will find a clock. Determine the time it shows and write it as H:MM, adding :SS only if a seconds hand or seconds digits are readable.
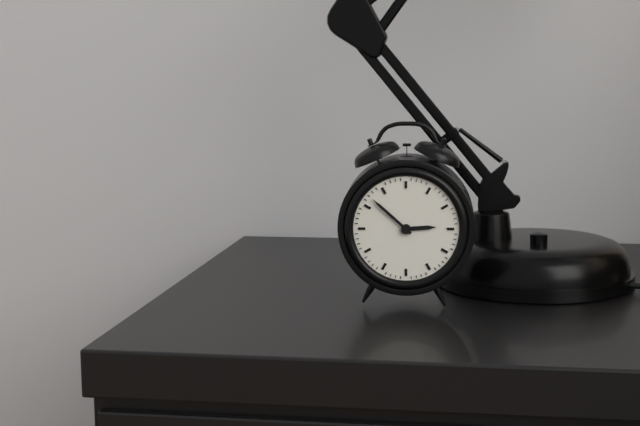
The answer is 2:52
